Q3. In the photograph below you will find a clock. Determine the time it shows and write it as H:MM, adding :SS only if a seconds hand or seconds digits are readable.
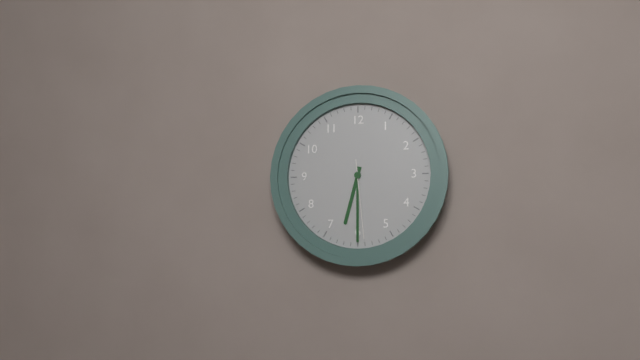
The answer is 6:30:29
